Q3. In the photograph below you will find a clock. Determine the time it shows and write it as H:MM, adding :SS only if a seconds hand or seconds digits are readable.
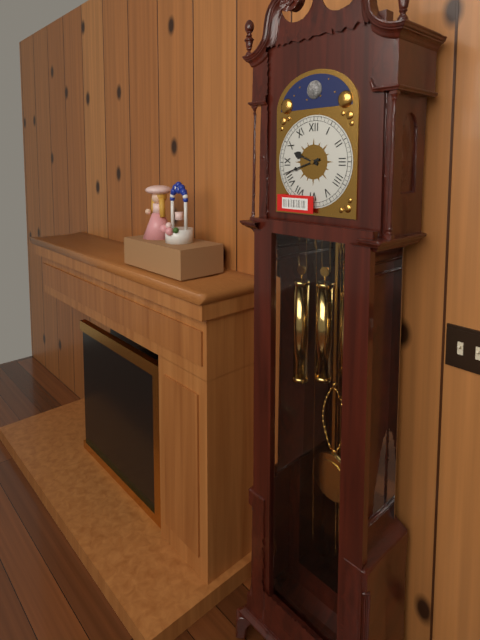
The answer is 9:42
